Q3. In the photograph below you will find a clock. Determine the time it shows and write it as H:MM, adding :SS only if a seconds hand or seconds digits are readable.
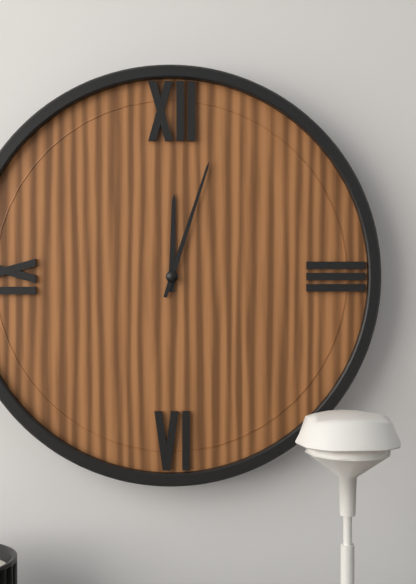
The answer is 12:03
